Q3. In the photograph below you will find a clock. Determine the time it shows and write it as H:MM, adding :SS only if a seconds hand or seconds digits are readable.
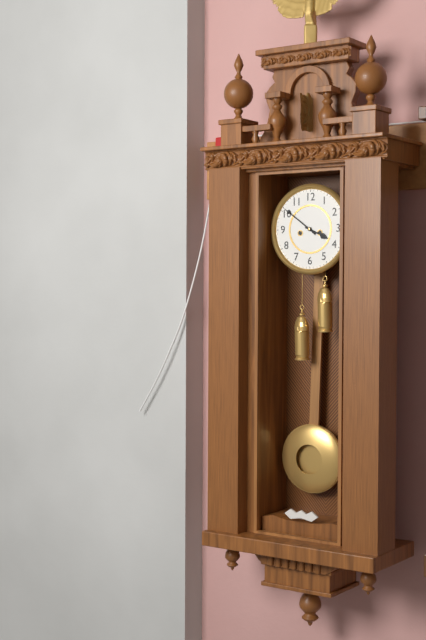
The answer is 3:51
